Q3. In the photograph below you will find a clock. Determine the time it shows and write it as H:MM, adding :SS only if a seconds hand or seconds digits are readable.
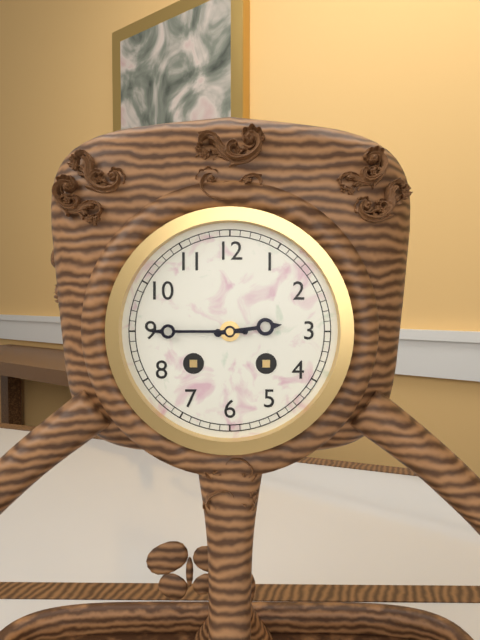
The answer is 2:45
